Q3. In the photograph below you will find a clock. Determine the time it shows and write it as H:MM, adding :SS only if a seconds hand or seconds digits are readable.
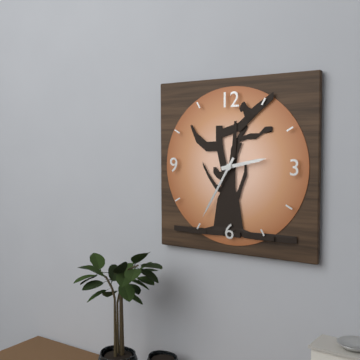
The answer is 2:35
